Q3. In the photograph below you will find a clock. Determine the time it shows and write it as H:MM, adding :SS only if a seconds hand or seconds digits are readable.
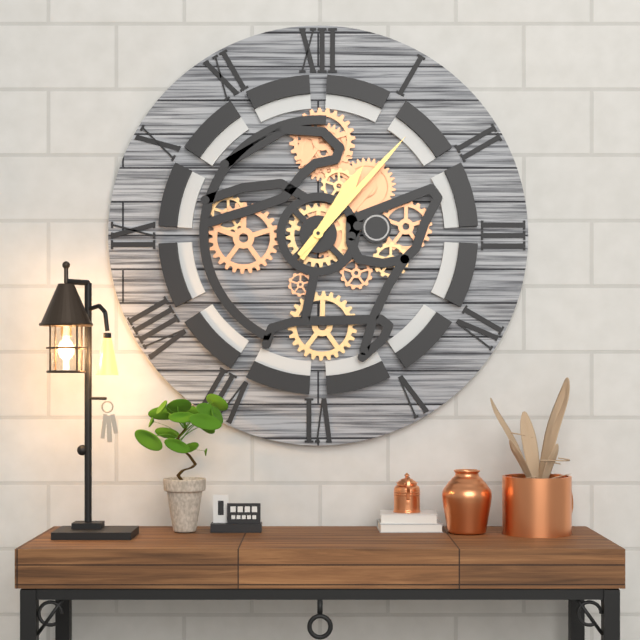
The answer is 1:07
